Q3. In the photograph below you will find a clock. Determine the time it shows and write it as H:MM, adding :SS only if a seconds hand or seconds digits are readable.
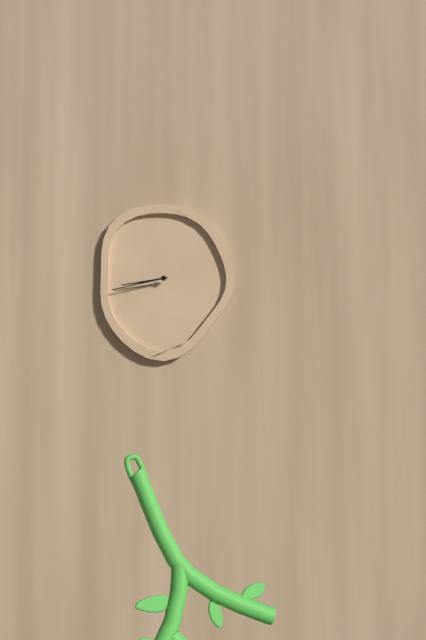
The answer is 8:43
